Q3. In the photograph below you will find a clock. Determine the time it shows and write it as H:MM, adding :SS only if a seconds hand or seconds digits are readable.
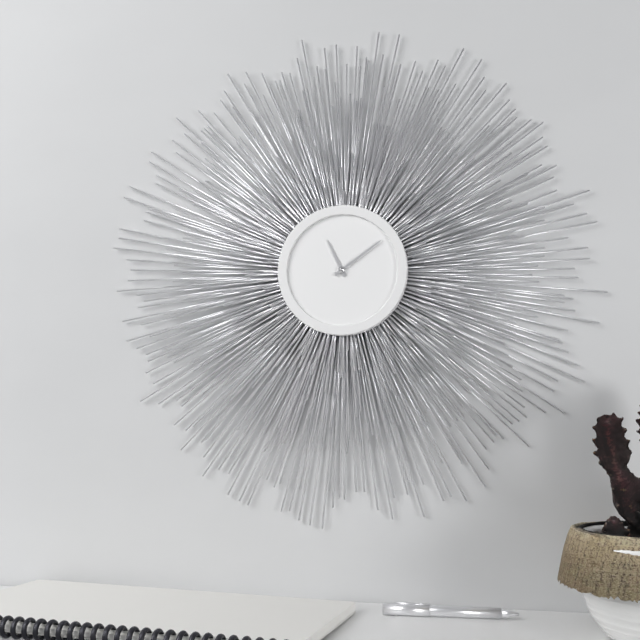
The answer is 11:09
